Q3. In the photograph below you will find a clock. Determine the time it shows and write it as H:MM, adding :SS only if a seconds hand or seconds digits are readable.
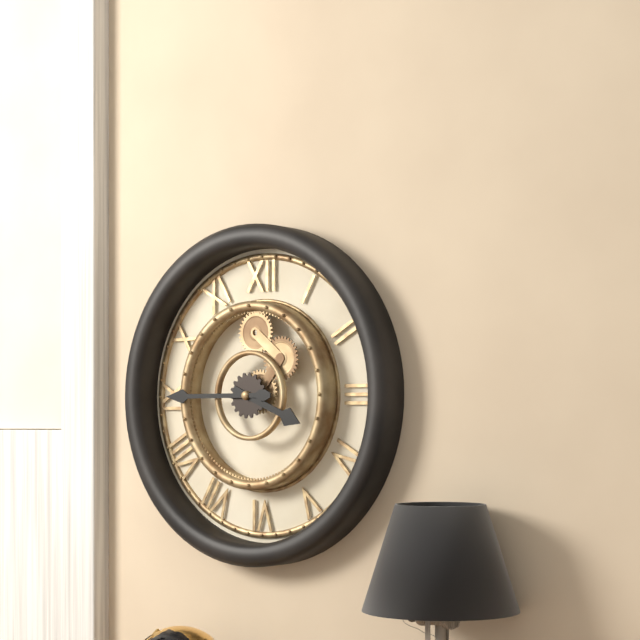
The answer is 3:45
